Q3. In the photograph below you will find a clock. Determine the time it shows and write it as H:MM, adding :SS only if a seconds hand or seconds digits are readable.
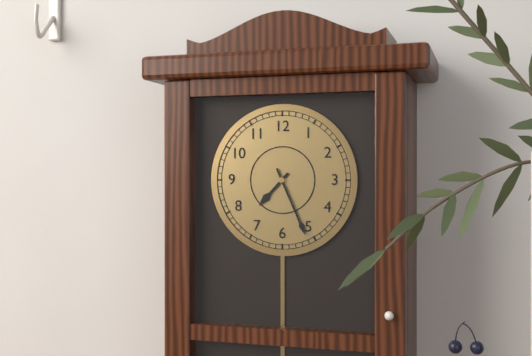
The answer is 7:26
